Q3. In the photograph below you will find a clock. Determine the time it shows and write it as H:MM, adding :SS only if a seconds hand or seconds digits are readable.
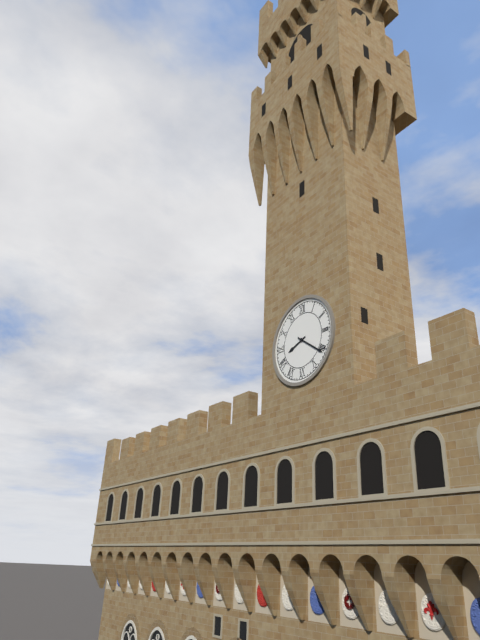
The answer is 8:21
